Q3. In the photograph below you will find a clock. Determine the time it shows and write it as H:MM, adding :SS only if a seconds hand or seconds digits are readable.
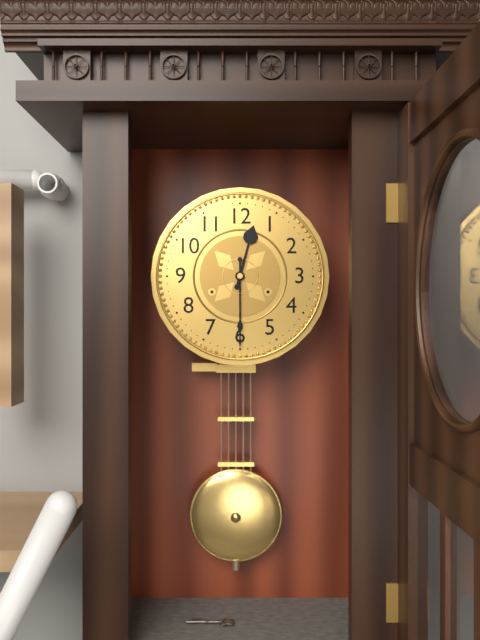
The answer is 12:30
